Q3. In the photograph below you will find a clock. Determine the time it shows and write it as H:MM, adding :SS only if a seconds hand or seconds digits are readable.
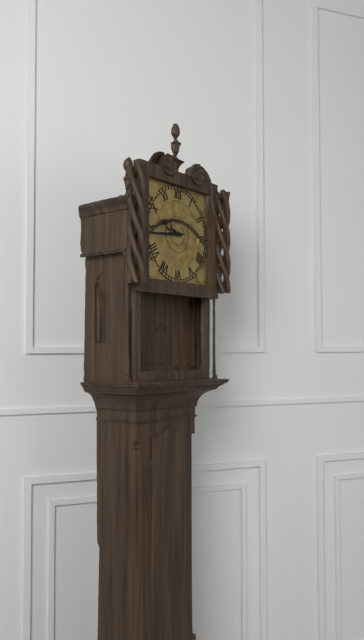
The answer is 9:44
